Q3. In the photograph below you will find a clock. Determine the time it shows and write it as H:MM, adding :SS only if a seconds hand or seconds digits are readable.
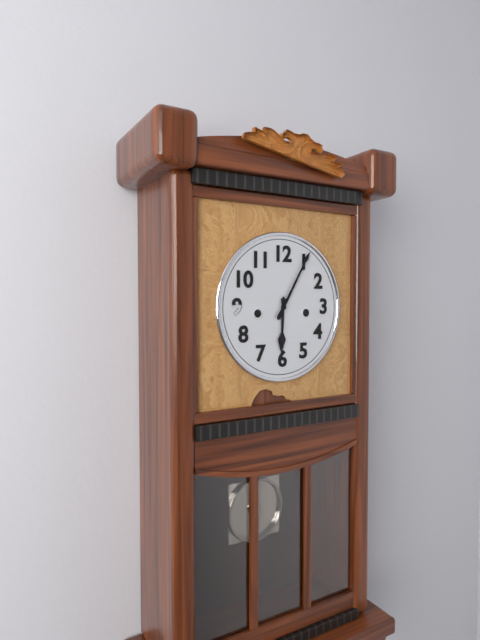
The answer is 6:05
